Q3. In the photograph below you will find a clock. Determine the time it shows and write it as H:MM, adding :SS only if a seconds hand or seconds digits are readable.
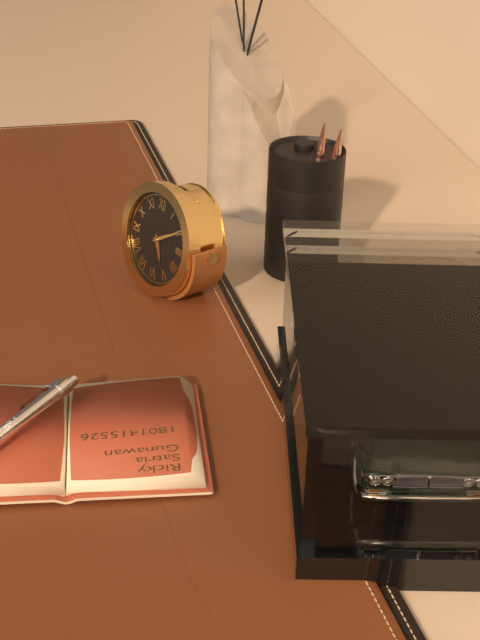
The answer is 5:10
